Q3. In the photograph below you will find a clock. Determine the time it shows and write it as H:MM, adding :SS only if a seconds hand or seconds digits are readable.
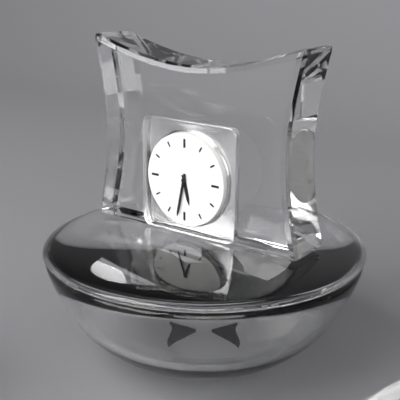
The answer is 5:32
